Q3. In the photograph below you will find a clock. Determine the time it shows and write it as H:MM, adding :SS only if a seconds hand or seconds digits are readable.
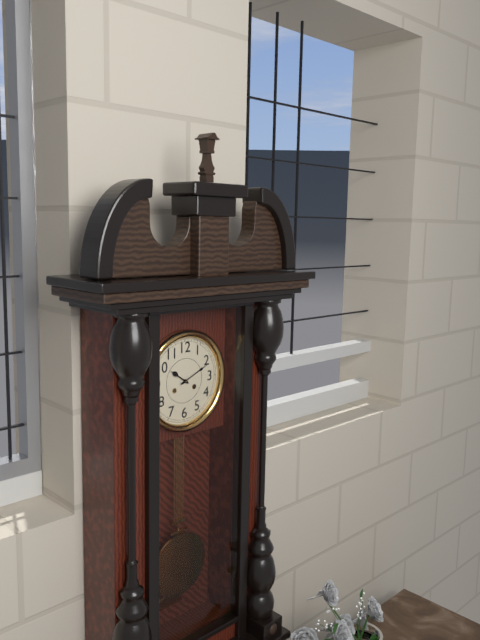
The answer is 10:11
